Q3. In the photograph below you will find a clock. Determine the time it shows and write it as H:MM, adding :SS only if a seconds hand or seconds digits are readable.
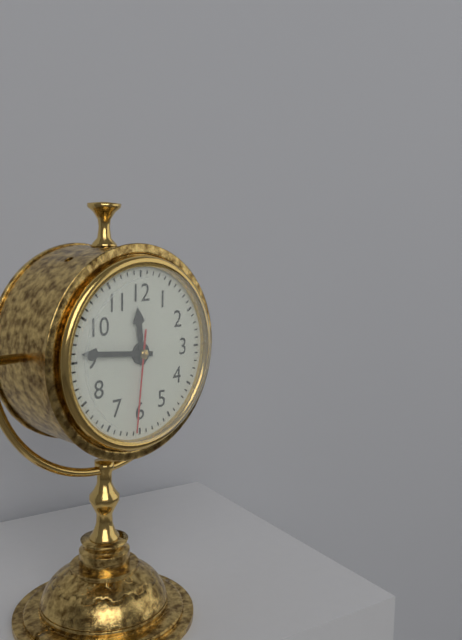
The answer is 11:46:31
